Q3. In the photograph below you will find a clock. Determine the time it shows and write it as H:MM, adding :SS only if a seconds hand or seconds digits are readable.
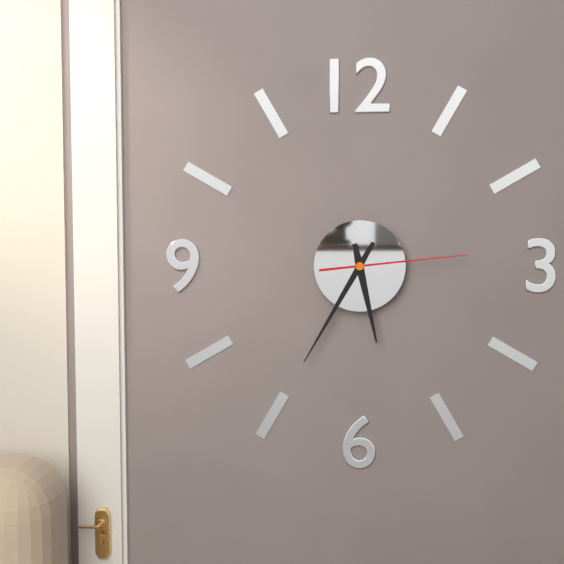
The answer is 5:35:14
